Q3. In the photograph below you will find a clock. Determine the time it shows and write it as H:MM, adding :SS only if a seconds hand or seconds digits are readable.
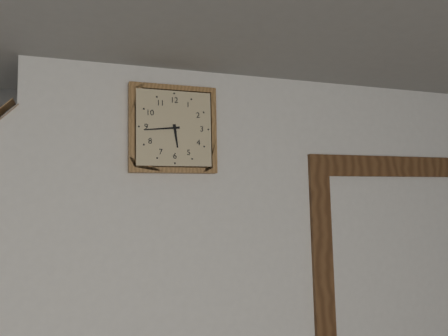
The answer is 5:44
